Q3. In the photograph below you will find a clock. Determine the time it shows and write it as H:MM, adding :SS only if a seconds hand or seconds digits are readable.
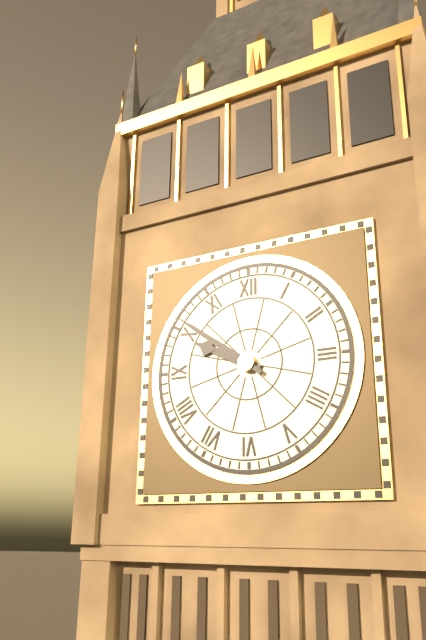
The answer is 9:51
